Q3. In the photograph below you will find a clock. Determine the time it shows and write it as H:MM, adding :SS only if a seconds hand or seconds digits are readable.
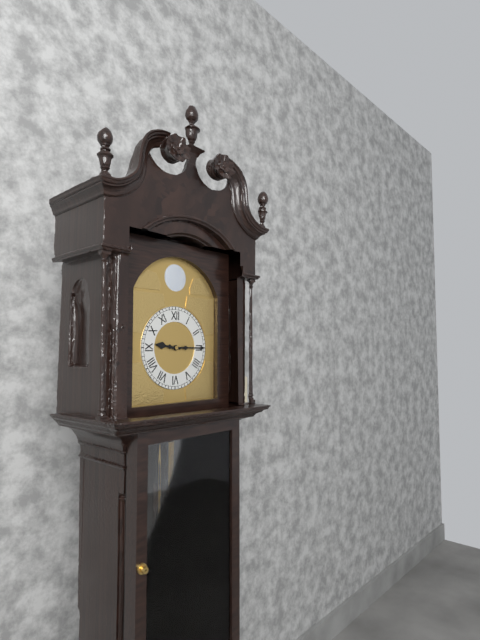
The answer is 9:15
